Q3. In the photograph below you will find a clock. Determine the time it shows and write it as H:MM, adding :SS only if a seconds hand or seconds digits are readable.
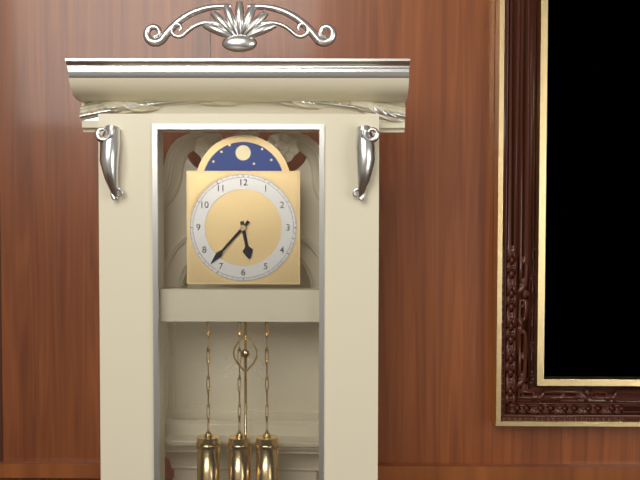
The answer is 5:37
